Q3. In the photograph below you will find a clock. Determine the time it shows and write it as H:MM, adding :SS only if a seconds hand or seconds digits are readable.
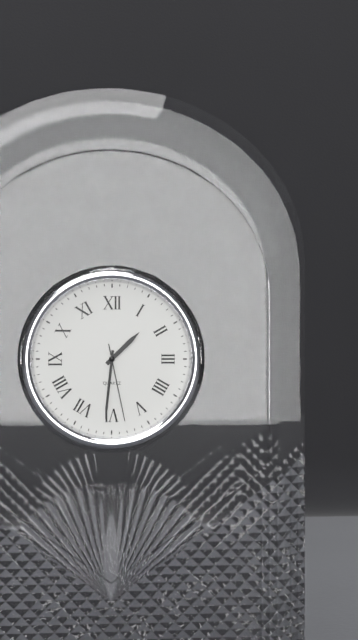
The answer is 1:31:28
